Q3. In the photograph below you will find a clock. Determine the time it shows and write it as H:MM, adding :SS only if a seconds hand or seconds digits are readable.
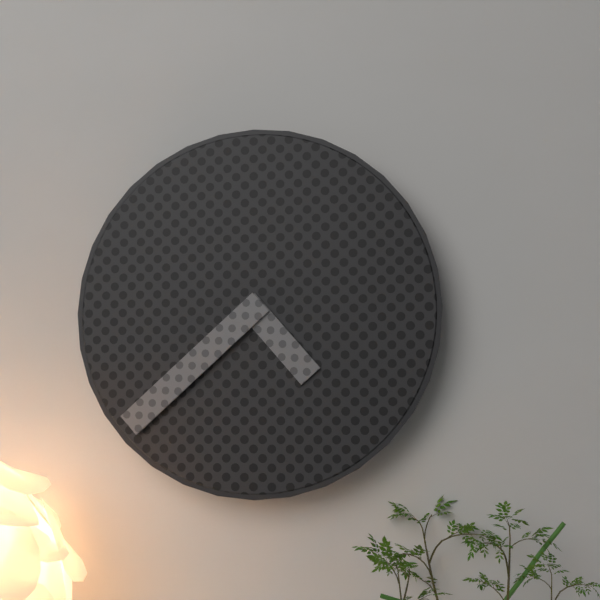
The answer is 4:38
